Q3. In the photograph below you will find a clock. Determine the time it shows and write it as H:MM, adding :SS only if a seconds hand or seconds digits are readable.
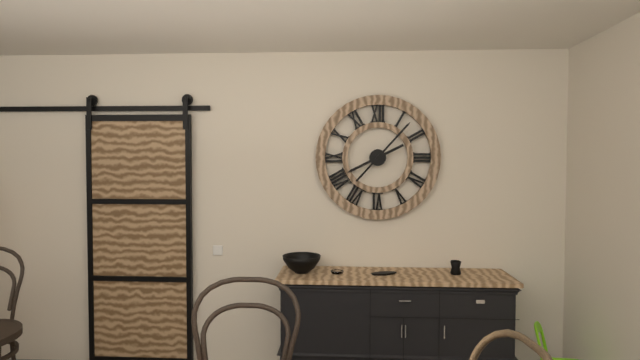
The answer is 8:07
